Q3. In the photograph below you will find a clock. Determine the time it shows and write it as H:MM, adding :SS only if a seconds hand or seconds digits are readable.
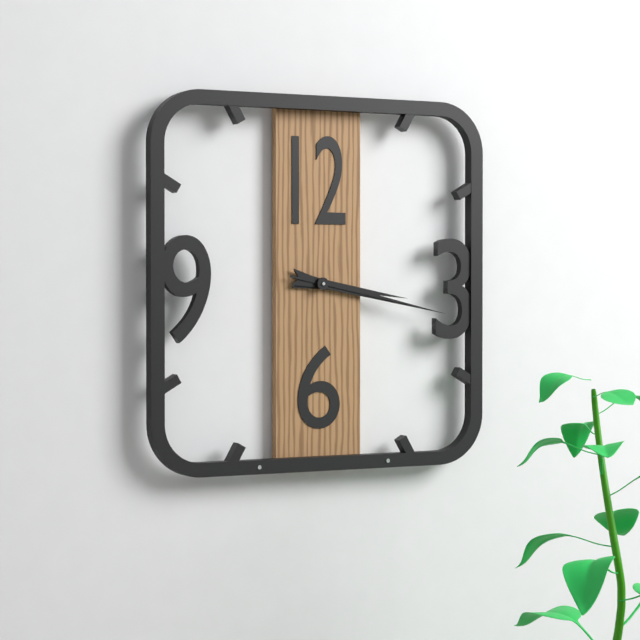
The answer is 3:17:17
